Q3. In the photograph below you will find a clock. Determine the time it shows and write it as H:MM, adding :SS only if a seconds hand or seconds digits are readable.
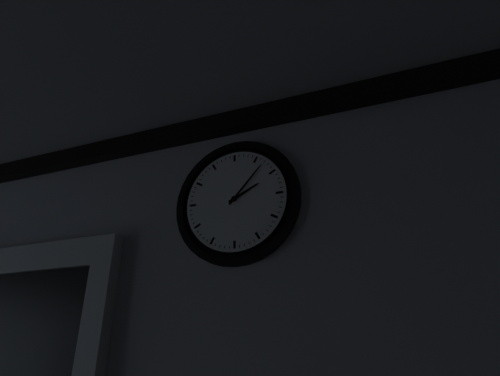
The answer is 2:07
